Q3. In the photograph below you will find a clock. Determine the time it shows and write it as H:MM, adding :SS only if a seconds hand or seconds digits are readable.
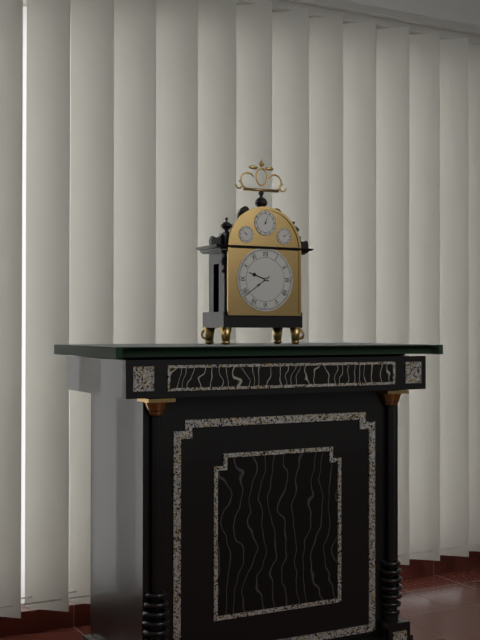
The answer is 9:39
